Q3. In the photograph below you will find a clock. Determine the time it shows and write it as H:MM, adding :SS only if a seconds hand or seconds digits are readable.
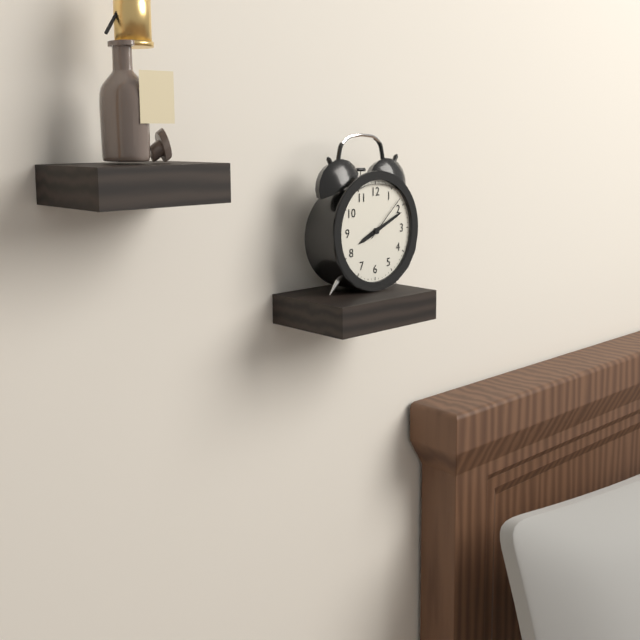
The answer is 8:11:08
